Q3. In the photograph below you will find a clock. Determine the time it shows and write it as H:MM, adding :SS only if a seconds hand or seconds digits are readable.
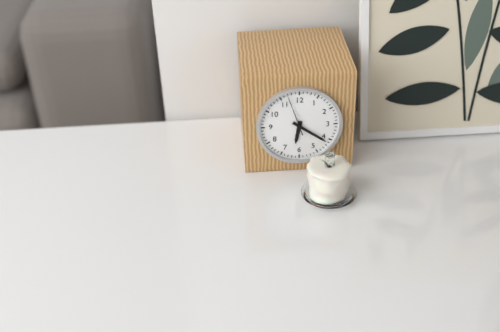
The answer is 6:21
